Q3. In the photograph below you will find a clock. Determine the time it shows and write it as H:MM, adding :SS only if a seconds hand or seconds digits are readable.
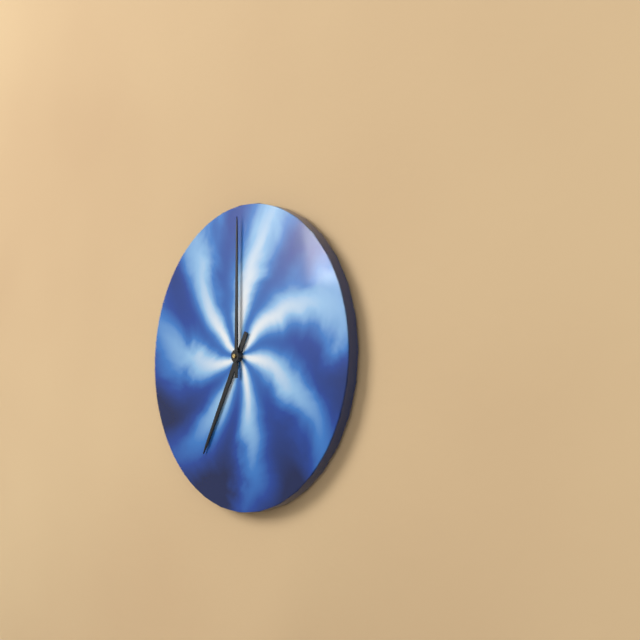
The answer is 7:00
